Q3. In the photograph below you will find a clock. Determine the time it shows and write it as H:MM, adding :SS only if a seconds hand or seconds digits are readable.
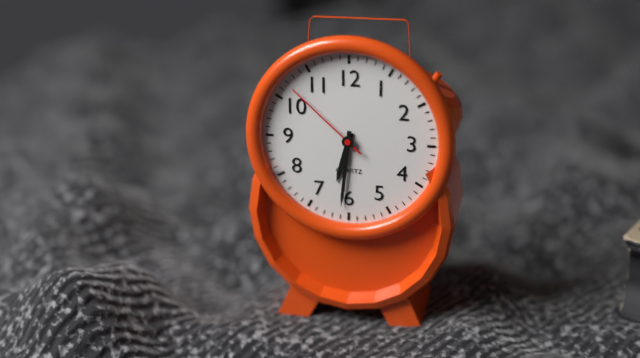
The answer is 6:31:52
